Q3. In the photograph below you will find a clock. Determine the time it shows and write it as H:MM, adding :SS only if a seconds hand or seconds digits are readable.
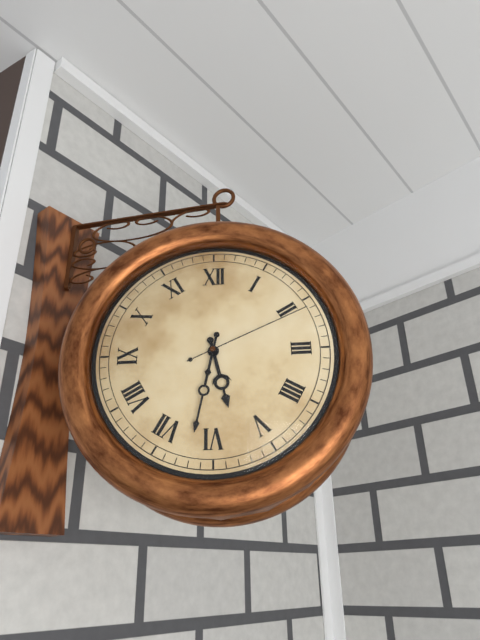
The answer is 5:32:11
